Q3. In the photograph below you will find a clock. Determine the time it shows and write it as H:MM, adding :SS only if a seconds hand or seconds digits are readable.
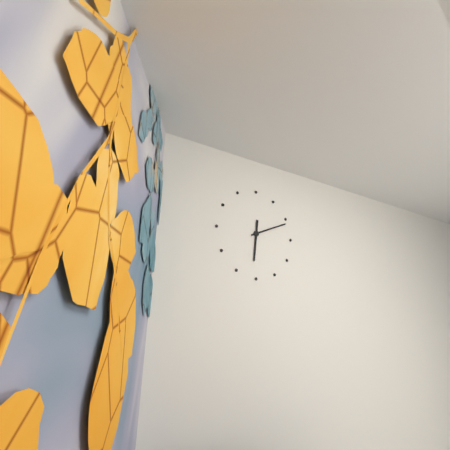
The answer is 6:11
